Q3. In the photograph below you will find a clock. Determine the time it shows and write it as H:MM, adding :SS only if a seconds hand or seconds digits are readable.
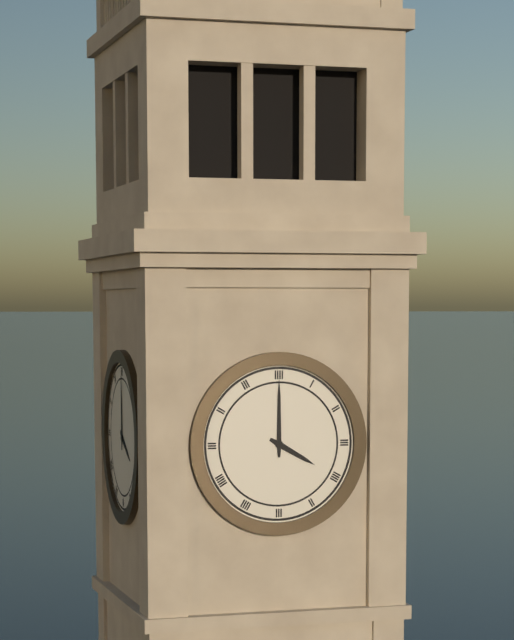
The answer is 4:00
